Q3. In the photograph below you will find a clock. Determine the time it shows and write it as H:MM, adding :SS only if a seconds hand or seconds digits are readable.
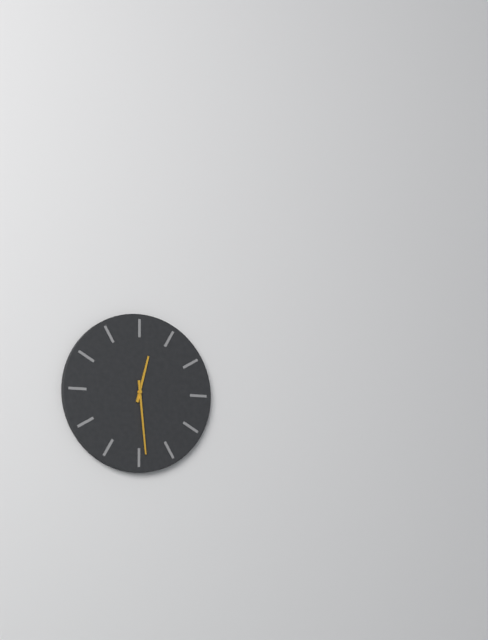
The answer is 12:29
